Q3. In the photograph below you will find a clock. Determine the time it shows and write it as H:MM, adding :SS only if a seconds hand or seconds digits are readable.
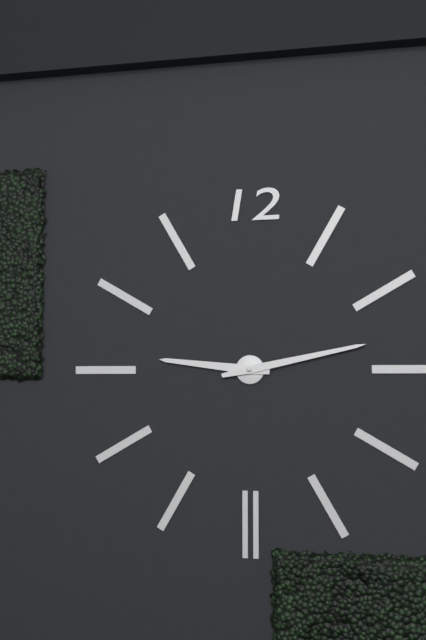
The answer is 9:13
